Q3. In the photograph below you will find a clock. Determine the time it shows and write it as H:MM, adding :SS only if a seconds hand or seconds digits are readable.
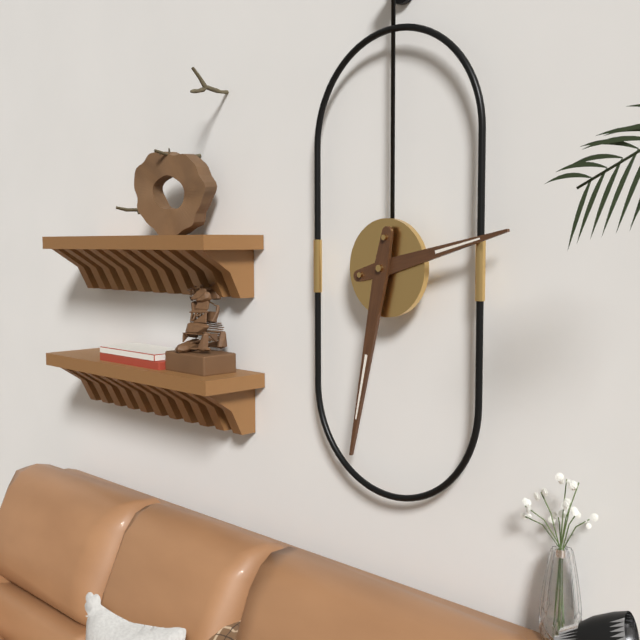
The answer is 2:32
